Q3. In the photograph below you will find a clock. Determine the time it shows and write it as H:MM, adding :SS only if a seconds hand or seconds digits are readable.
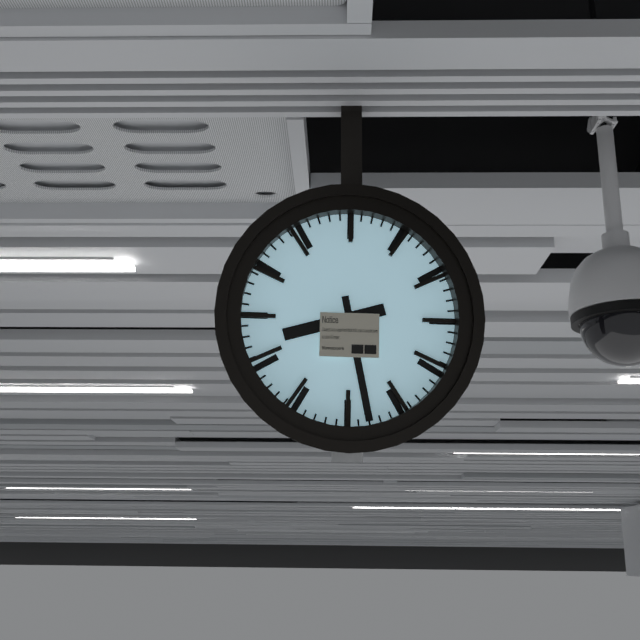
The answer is 8:28
